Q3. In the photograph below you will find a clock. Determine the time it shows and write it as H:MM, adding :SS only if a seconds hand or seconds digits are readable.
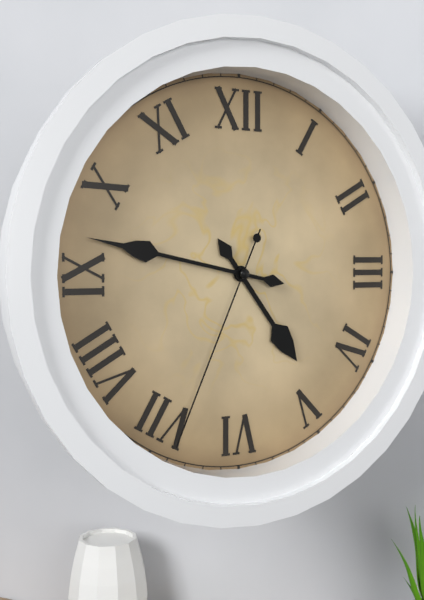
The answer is 4:47:34
